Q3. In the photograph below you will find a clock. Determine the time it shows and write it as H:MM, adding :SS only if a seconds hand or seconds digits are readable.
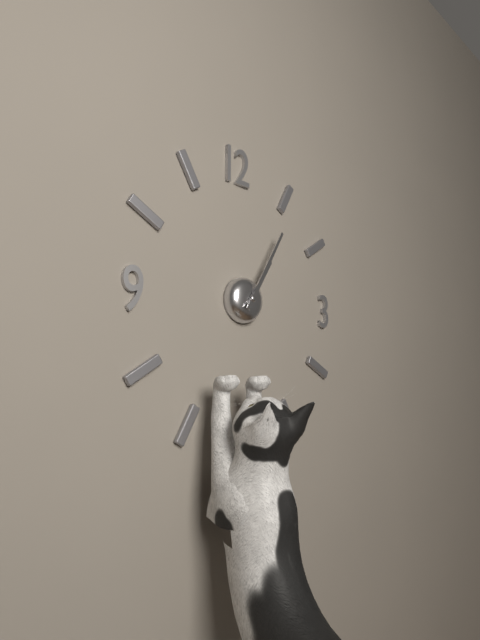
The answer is 1:05
